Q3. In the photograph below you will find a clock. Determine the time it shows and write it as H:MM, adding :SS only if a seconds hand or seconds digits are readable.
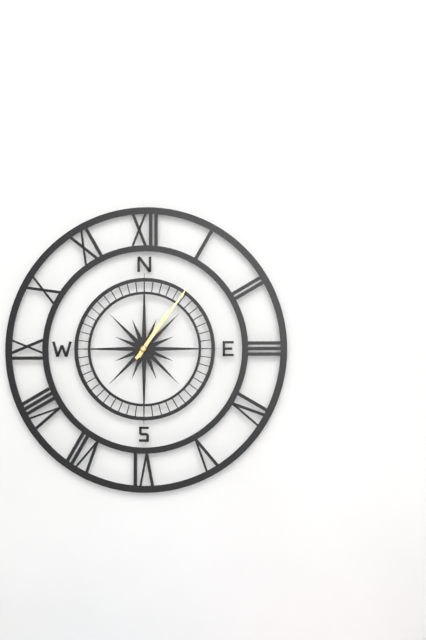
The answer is 1:06
